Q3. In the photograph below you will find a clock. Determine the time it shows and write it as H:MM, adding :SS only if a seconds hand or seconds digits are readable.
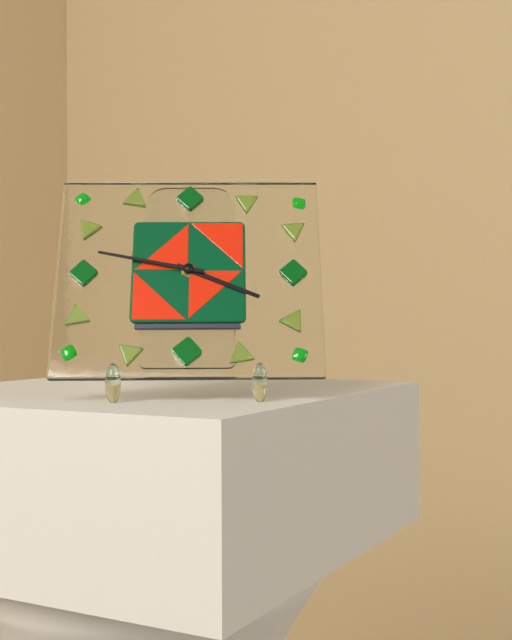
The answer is 3:47
